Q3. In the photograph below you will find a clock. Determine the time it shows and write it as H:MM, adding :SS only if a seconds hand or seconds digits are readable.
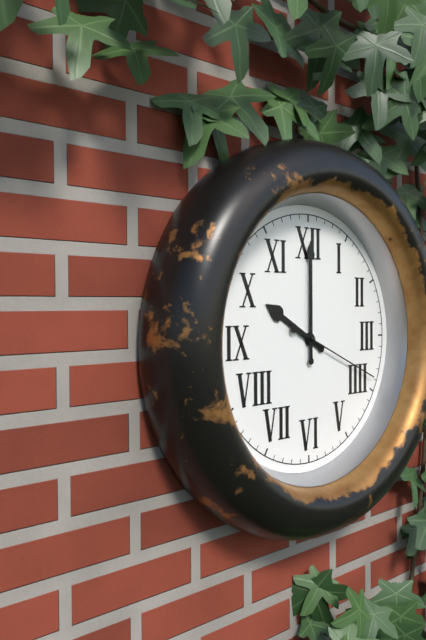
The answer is 10:00:19
